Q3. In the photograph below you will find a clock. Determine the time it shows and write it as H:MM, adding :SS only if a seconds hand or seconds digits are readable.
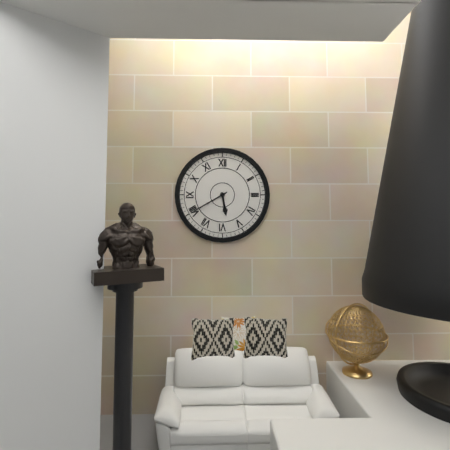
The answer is 5:40
